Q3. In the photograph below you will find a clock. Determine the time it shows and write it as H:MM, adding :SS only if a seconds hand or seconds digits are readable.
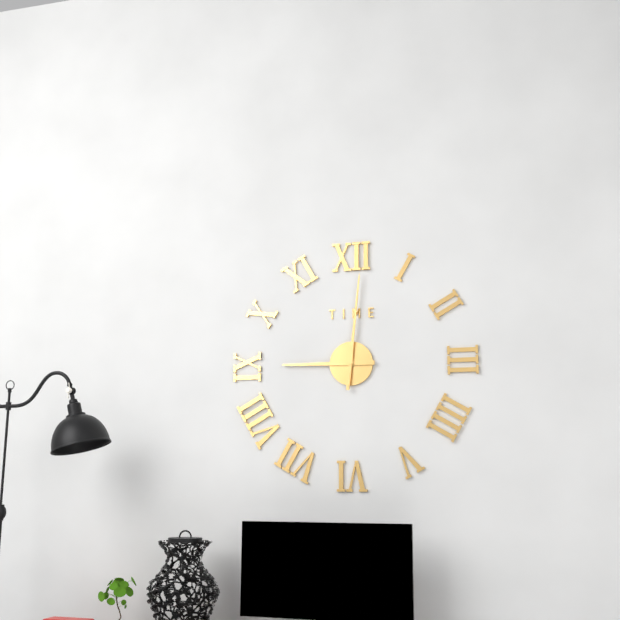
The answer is 9:01
